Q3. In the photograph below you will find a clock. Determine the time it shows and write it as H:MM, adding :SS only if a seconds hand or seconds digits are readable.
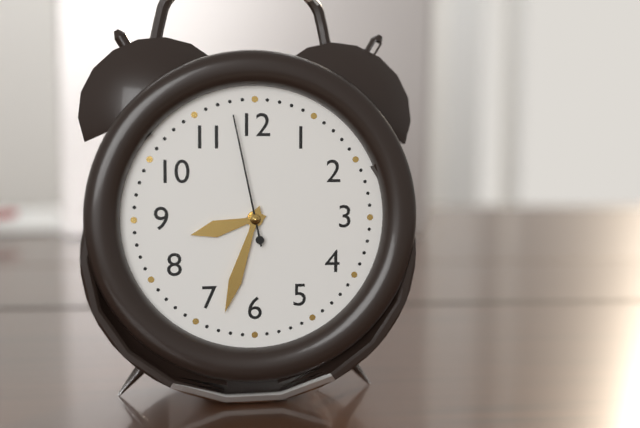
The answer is 8:33:58
